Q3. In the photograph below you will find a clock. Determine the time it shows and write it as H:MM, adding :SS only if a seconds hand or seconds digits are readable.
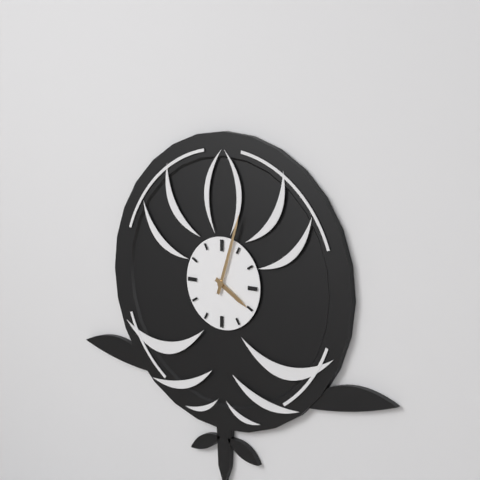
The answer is 4:03
